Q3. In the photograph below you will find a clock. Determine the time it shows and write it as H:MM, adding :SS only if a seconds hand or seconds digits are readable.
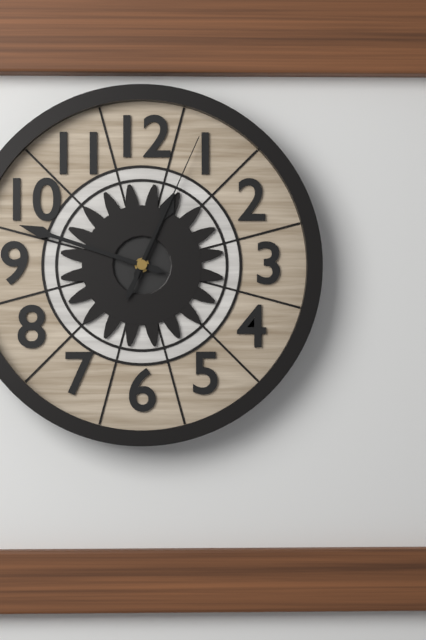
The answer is 12:48:04
